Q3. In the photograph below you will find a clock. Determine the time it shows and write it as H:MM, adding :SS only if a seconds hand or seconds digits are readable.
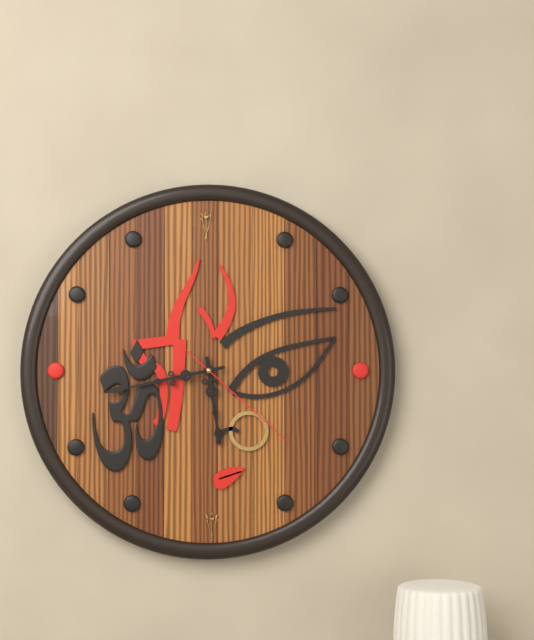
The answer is 5:43:22
